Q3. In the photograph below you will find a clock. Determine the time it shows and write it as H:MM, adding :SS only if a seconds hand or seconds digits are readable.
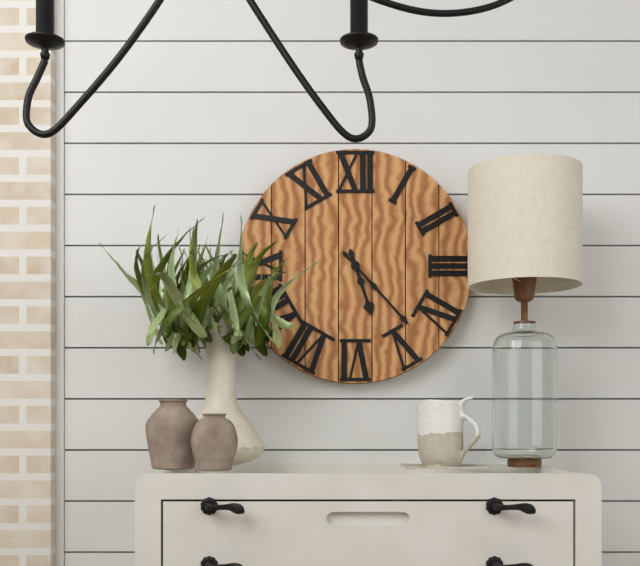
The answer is 5:23
